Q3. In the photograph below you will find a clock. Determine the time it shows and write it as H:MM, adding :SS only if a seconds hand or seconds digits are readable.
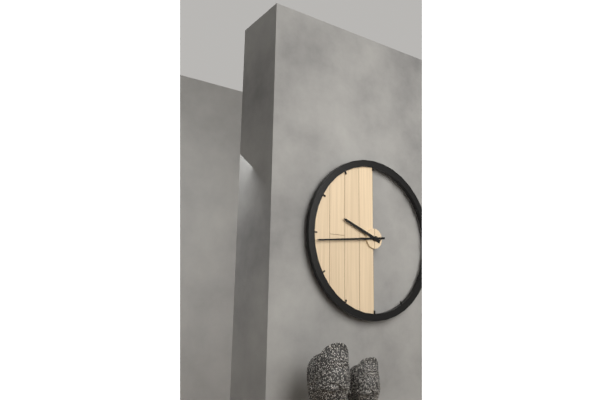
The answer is 9:44
